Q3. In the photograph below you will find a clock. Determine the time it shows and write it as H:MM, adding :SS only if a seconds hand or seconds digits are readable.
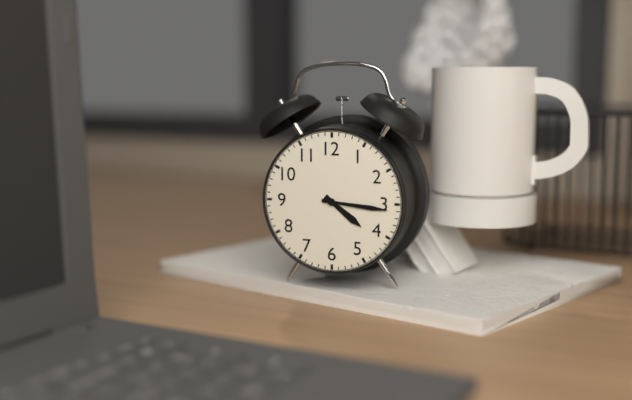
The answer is 4:16
